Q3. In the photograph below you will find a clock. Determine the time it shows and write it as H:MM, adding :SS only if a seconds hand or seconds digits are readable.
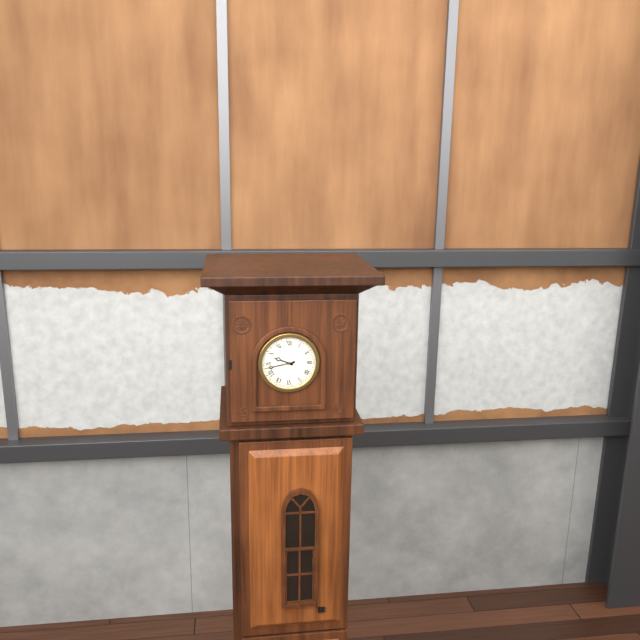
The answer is 9:43
